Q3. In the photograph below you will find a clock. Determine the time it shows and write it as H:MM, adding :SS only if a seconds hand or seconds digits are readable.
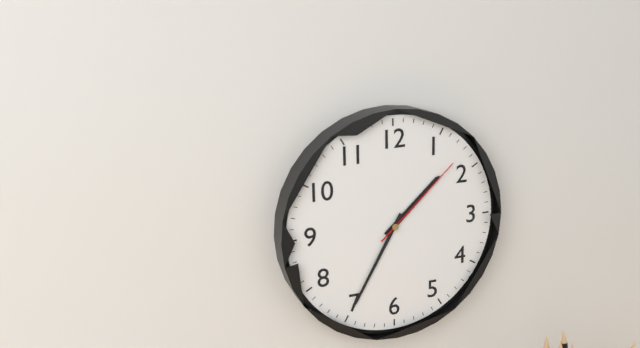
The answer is 1:35:08
